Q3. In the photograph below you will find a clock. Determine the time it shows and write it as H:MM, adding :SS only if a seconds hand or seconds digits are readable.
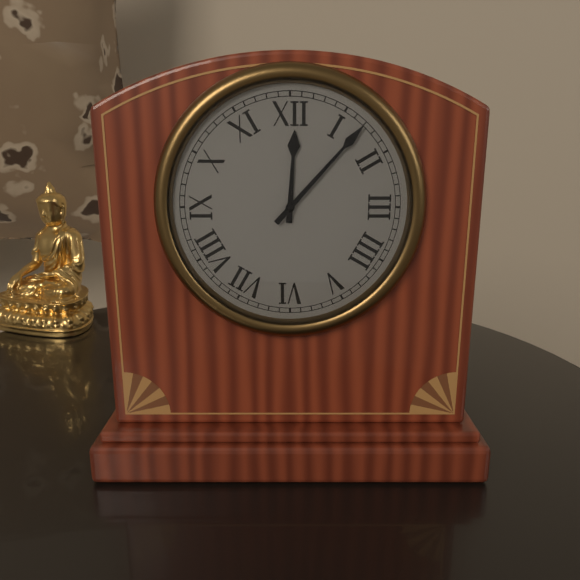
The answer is 12:07
